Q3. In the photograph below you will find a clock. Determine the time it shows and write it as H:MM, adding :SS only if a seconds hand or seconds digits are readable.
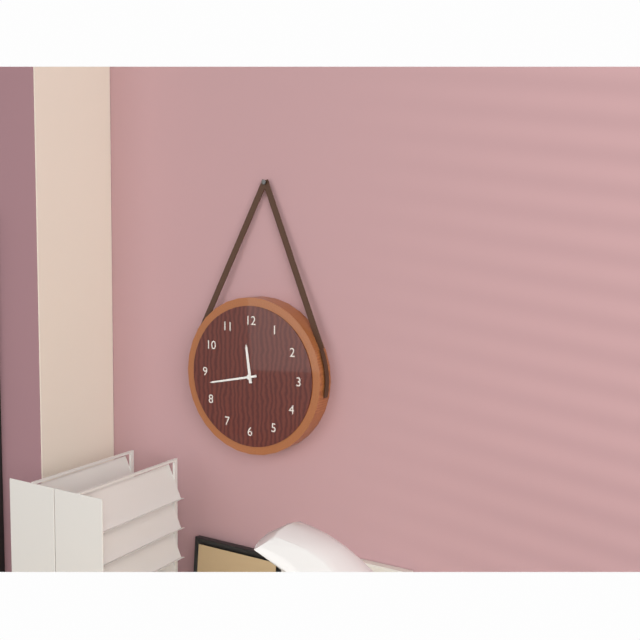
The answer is 11:43
